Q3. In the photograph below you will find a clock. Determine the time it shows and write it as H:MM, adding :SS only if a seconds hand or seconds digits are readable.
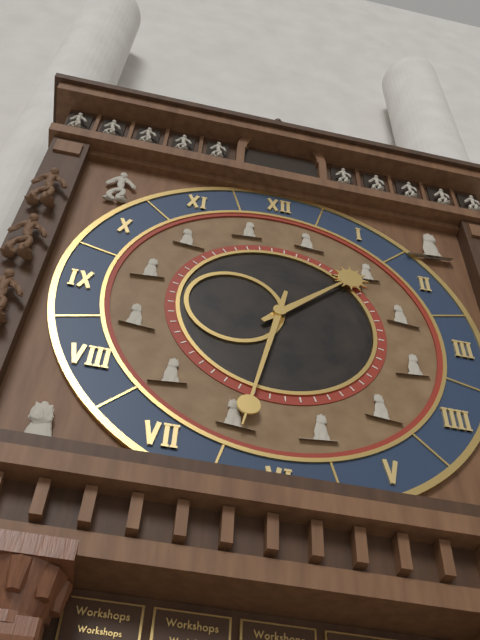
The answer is 1:32
